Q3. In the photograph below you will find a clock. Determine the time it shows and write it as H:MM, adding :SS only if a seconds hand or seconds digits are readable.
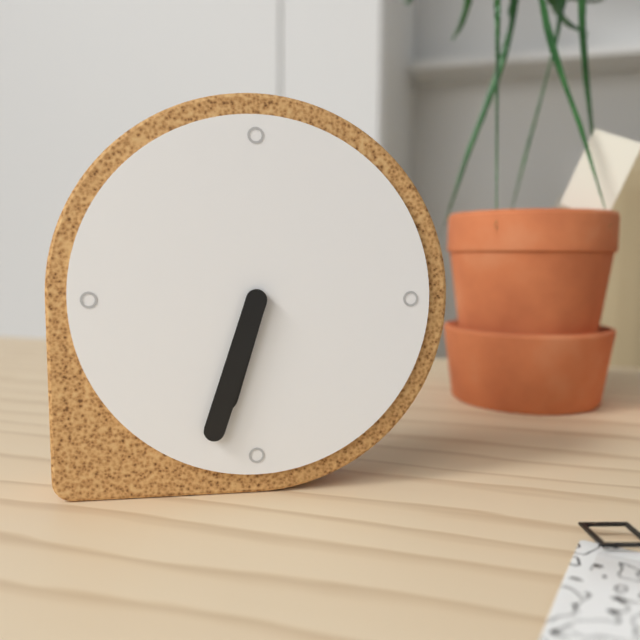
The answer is 6:33
